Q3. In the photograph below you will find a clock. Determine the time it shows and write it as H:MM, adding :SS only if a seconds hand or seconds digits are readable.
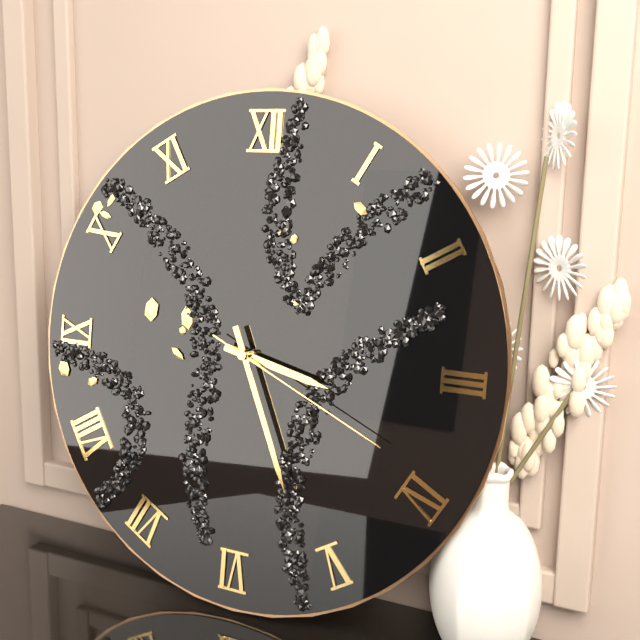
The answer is 3:26:19
